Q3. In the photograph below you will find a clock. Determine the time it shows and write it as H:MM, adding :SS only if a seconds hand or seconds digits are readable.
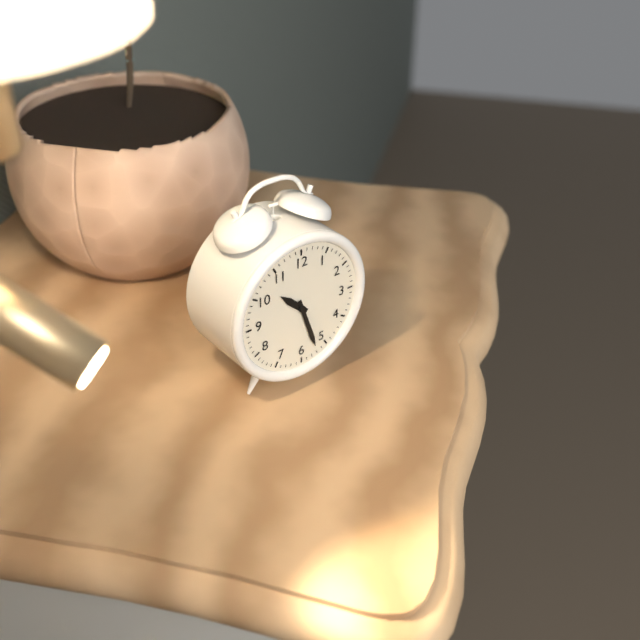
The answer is 10:27
